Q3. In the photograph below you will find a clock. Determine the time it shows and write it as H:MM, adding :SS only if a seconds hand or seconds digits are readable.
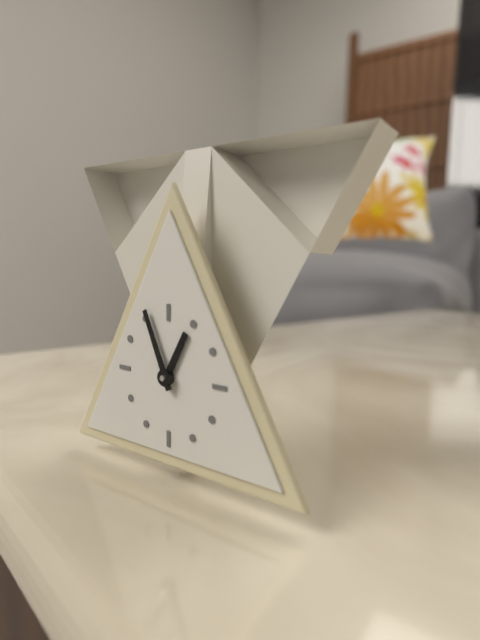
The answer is 12:56
